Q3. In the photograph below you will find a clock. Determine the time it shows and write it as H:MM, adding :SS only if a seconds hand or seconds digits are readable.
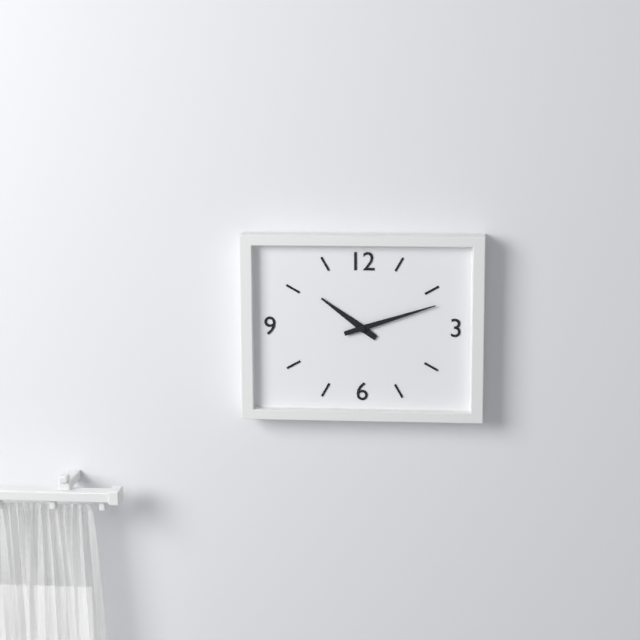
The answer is 10:12
